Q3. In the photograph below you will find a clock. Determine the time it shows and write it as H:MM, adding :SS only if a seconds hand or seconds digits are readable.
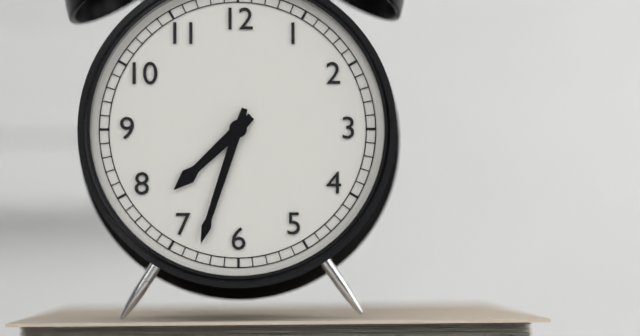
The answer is 7:33
